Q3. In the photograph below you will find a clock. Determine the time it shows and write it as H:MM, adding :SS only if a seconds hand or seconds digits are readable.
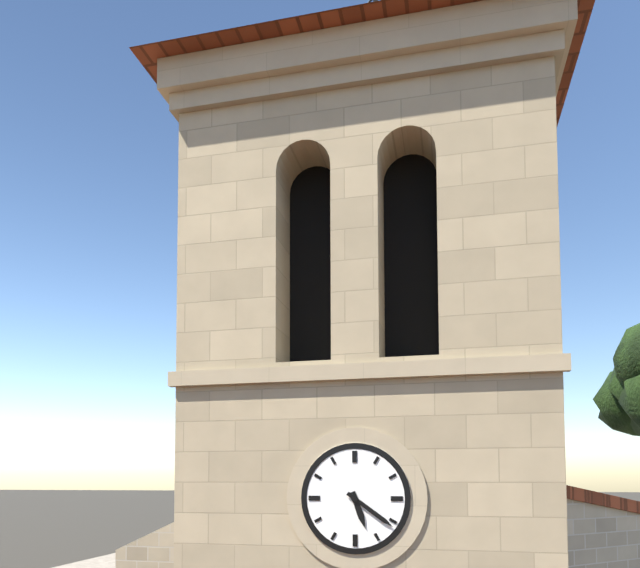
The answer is 5:21
